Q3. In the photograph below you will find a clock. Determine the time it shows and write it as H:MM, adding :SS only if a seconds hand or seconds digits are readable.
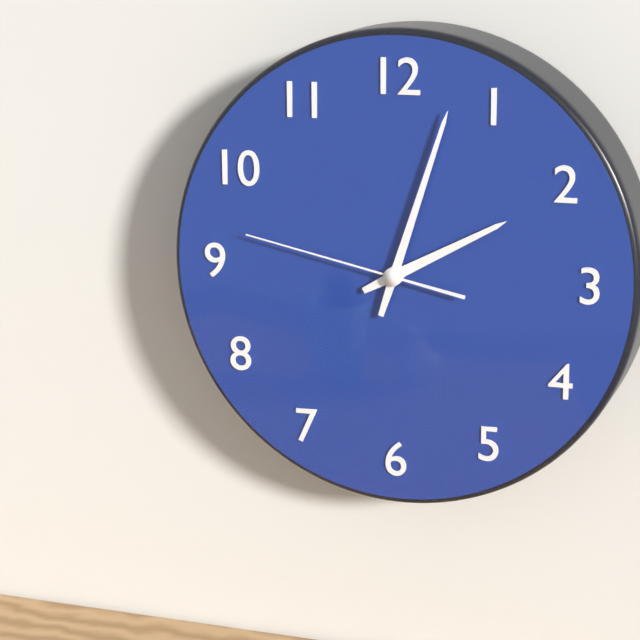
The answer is 2:03:47
